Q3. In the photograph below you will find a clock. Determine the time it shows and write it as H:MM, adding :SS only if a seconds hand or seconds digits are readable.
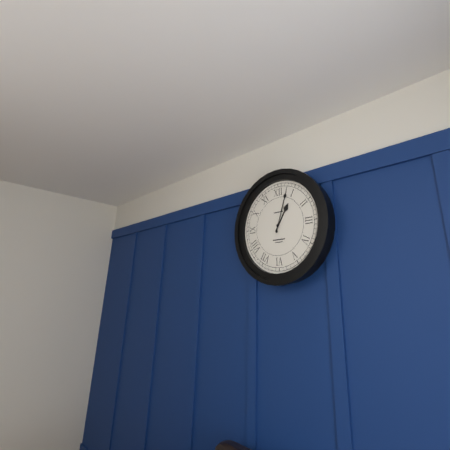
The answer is 1:03
